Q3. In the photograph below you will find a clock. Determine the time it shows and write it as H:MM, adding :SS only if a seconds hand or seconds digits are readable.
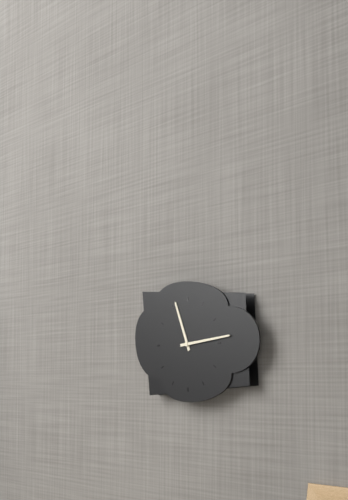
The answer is 11:14
